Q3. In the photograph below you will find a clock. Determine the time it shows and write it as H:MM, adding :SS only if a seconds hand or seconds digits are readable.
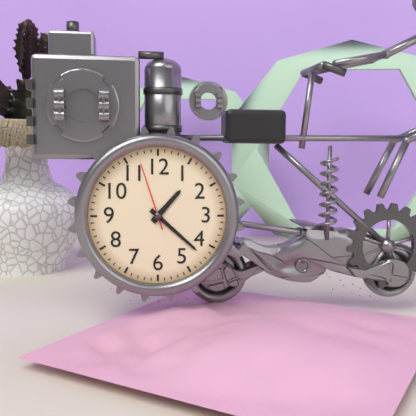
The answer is 1:22:57
